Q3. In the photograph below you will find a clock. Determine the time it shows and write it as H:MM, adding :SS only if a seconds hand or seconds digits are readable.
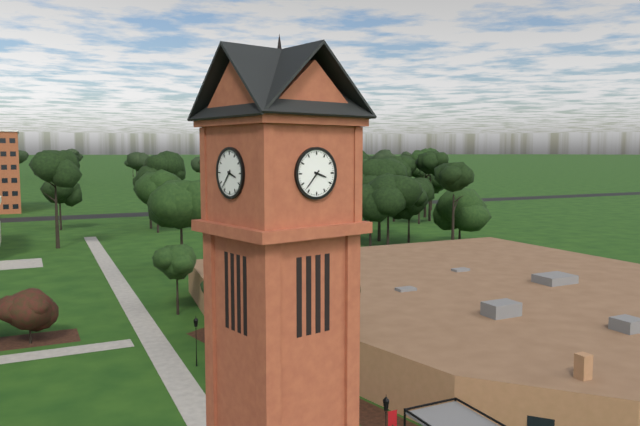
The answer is 3:37
